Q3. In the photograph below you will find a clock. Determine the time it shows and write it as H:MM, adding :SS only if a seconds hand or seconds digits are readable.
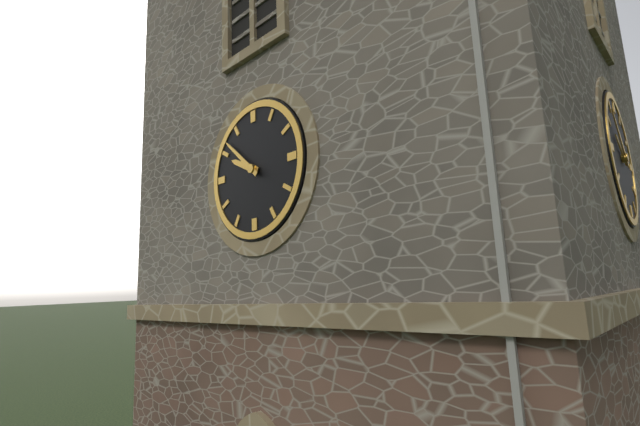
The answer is 9:52
